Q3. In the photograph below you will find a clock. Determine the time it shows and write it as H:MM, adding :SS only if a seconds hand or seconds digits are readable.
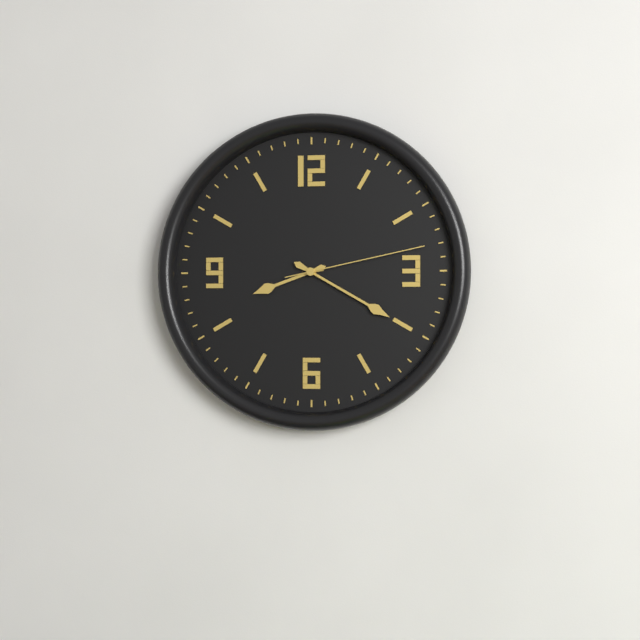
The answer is 8:20:13
